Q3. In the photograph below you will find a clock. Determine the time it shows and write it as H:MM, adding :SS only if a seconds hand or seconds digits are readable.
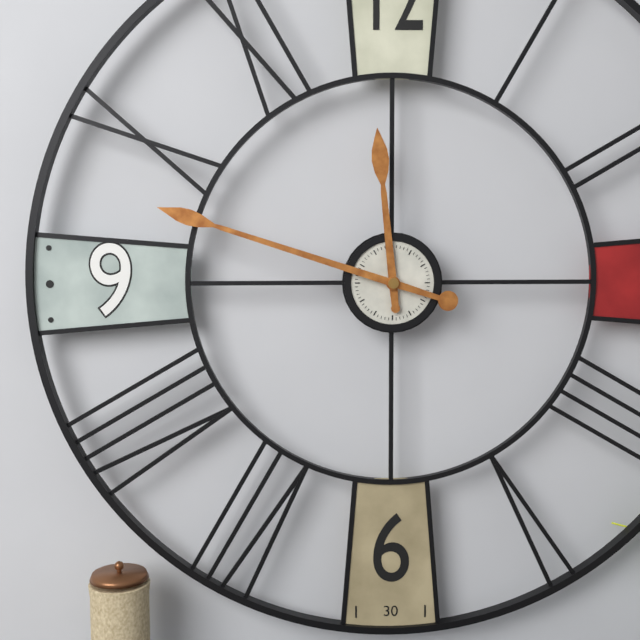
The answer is 11:48
